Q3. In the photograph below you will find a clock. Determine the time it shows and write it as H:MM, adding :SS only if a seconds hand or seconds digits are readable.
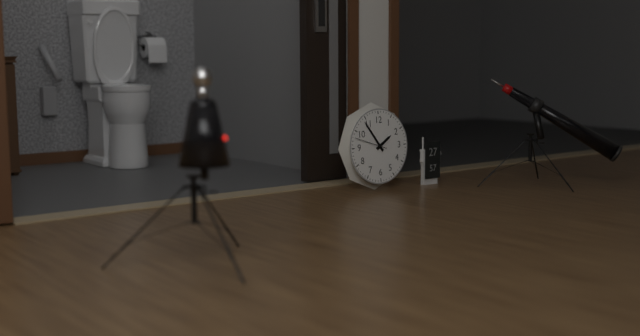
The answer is 1:54
